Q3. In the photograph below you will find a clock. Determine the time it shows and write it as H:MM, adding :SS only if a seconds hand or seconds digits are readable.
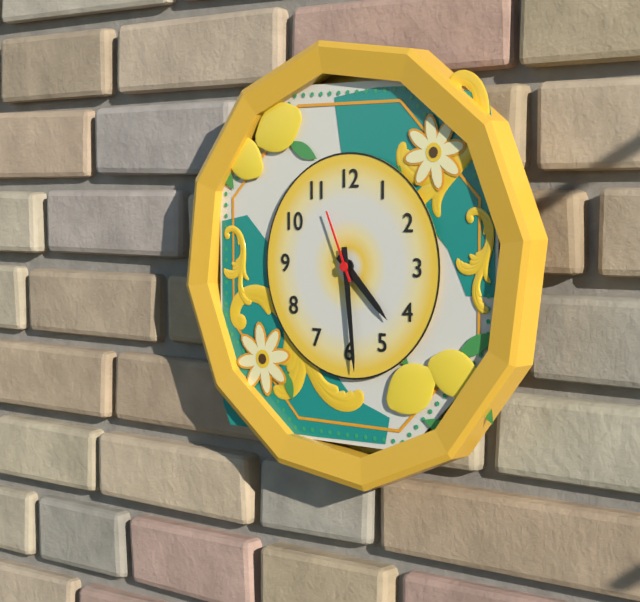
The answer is 4:29:56
